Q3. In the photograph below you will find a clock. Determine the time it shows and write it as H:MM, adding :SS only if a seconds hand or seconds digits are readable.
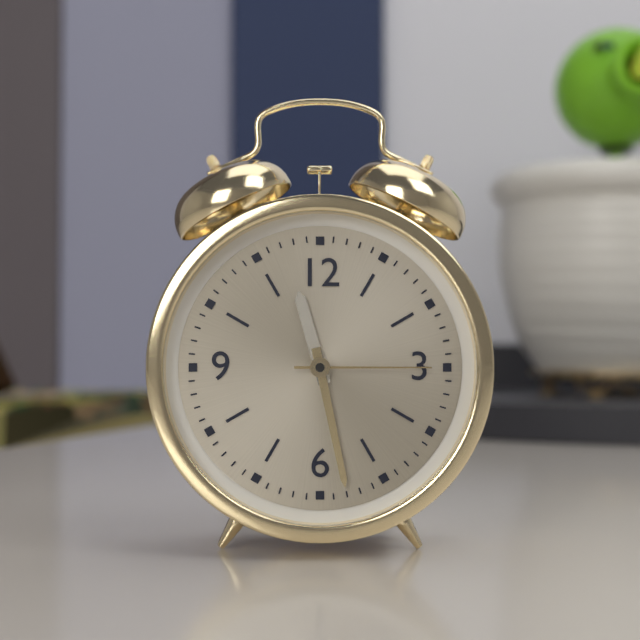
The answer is 11:28:15
